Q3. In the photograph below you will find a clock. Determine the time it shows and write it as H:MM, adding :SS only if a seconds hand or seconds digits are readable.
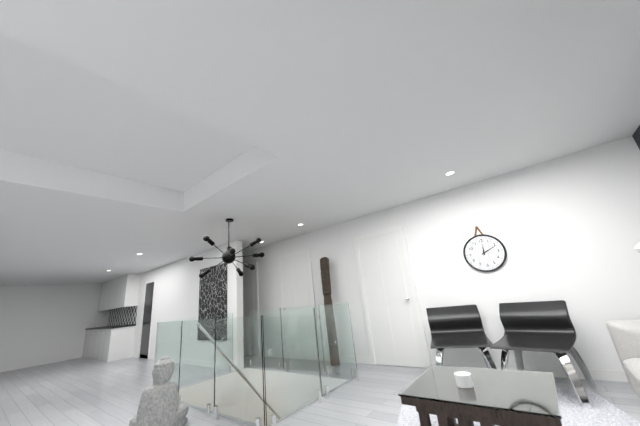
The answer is 12:11
